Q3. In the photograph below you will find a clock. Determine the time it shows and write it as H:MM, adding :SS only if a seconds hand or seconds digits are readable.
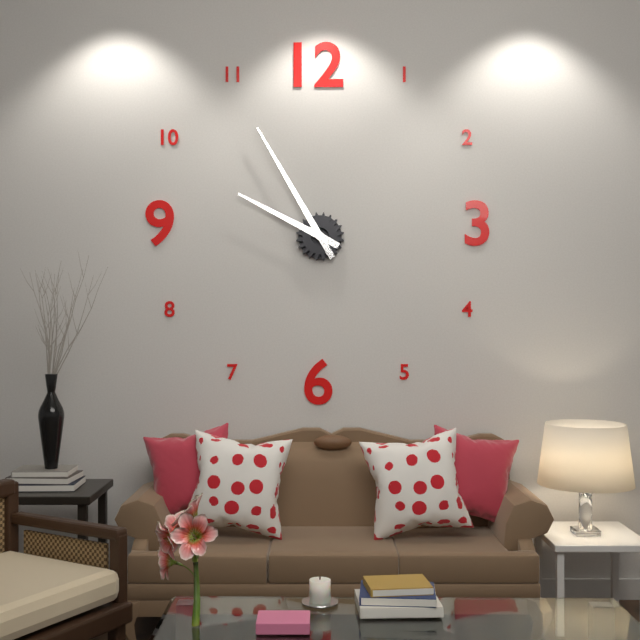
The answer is 9:55
